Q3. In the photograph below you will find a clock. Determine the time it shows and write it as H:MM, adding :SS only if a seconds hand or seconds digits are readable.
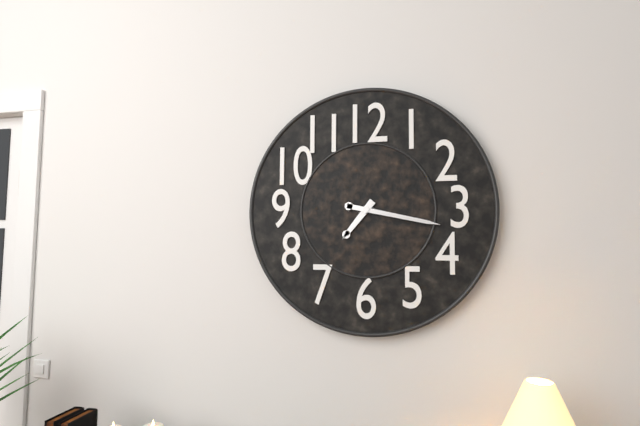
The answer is 7:17
